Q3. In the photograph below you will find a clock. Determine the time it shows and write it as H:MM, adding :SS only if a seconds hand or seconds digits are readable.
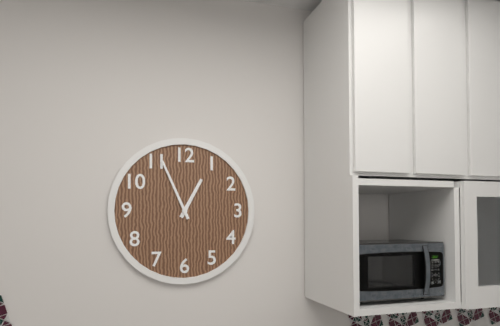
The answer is 12:56
